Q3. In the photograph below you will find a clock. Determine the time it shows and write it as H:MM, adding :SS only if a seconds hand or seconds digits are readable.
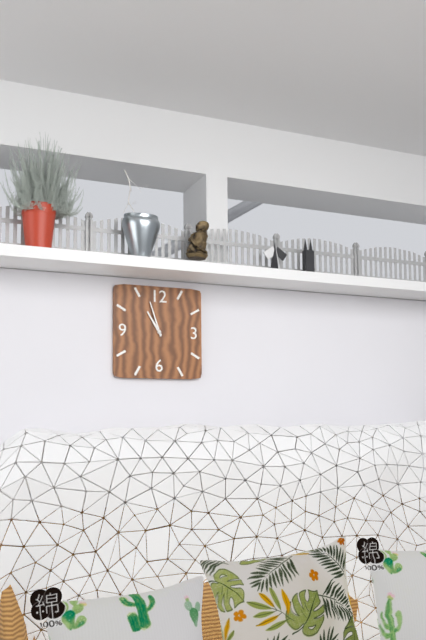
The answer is 10:57
